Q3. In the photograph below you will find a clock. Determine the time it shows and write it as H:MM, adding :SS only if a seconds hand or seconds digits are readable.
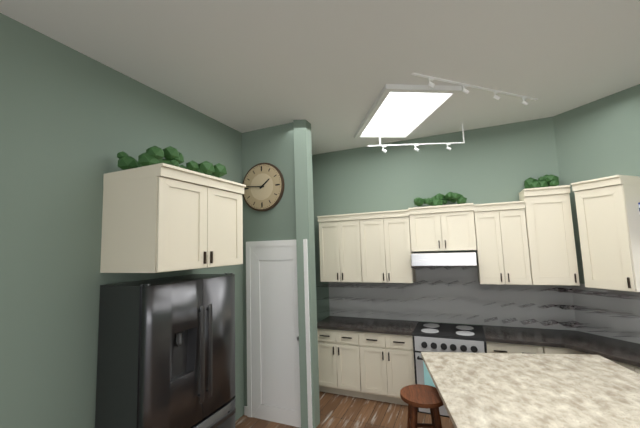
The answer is 1:46
